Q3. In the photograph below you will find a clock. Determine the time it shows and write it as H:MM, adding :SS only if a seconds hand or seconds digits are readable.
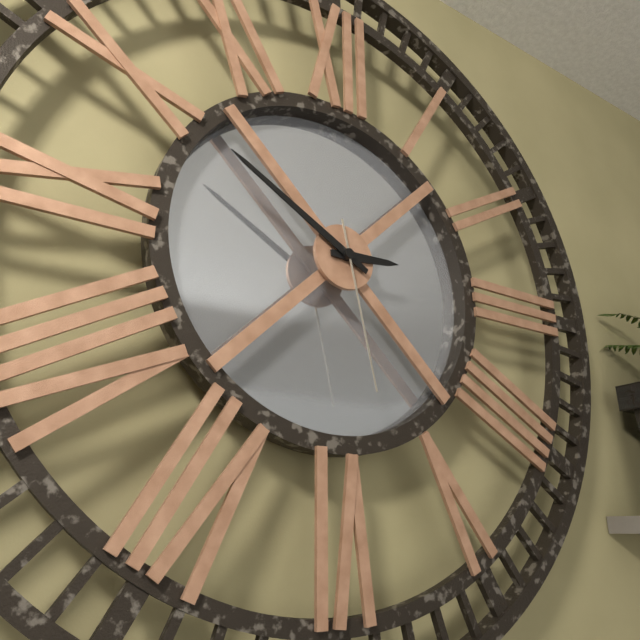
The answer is 2:50:28
